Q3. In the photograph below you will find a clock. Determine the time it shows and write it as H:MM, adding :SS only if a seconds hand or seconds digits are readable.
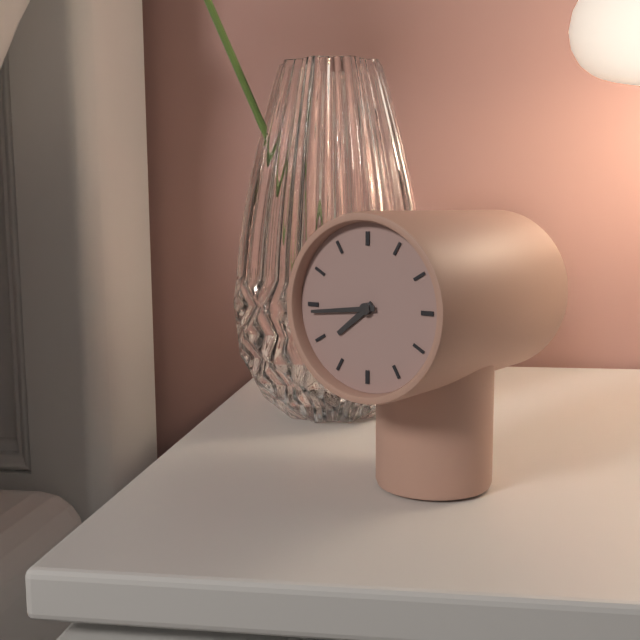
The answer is 7:44
